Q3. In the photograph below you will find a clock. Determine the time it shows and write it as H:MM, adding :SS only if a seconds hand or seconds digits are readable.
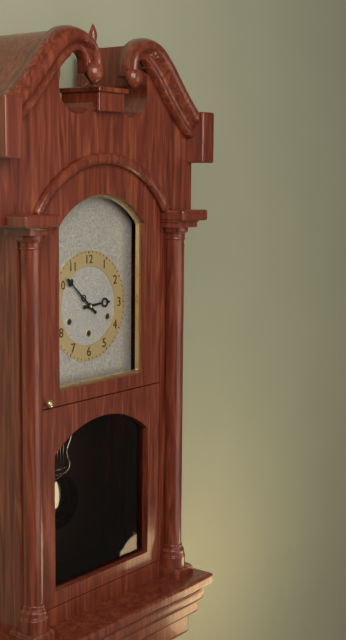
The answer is 2:52
